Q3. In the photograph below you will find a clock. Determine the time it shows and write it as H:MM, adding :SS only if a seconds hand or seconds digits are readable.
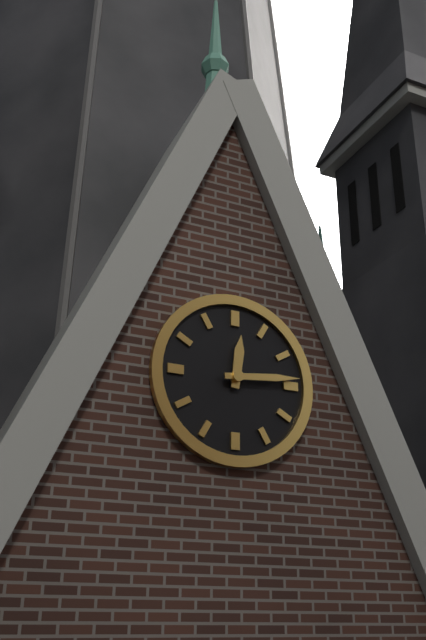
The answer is 12:14
